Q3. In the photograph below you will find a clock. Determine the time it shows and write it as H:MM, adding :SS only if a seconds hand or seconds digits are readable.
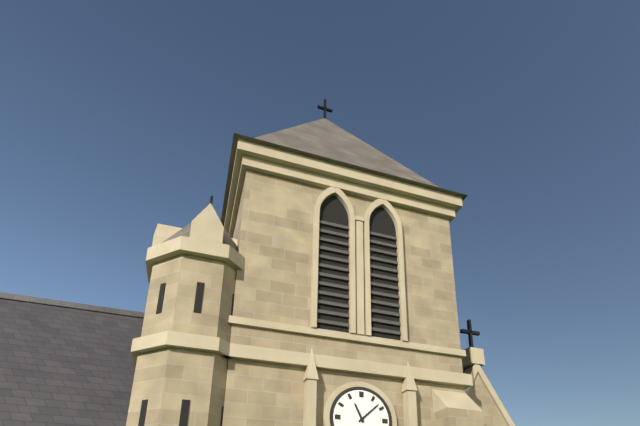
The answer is 11:08
